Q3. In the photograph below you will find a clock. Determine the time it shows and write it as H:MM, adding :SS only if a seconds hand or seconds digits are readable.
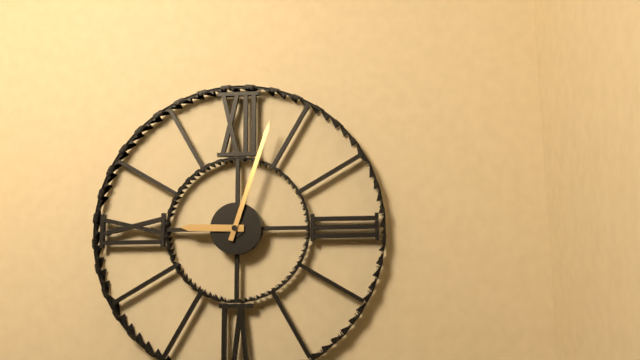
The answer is 9:03
